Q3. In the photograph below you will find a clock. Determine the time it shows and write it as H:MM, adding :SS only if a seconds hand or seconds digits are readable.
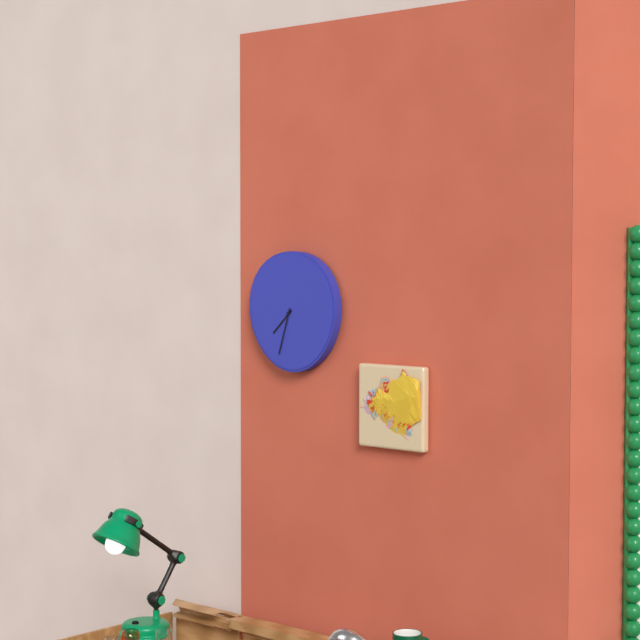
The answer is 7:33
